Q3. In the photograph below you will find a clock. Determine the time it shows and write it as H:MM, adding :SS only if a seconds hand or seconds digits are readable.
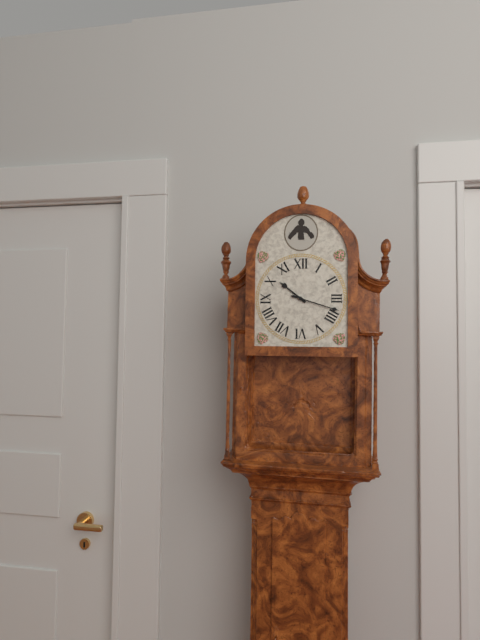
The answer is 10:18
